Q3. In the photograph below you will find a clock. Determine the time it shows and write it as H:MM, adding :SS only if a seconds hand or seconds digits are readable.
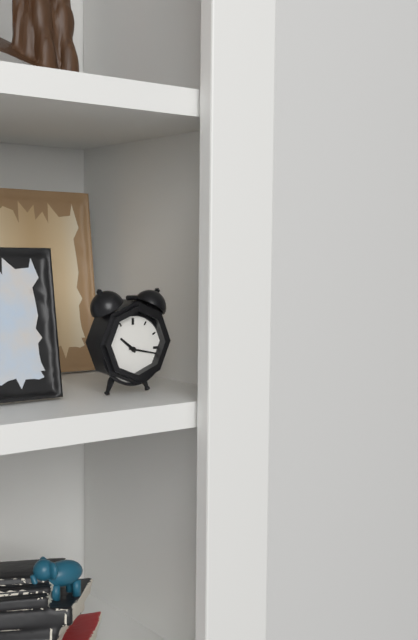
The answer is 10:17
